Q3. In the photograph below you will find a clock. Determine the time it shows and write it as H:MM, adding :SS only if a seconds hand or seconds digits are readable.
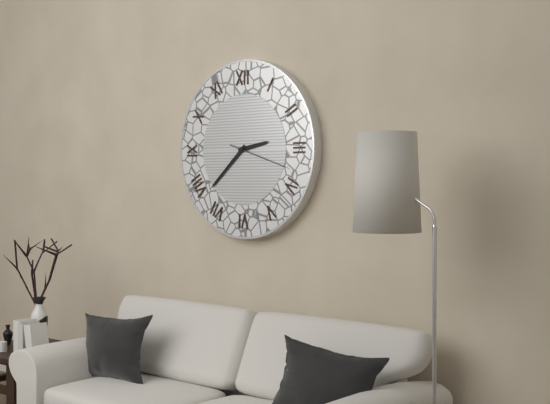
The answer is 2:38:18
